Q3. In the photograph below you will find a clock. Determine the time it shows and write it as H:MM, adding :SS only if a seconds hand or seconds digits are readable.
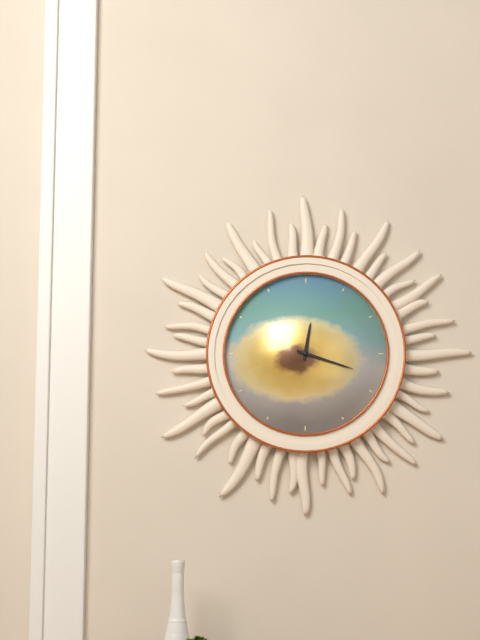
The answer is 12:18
